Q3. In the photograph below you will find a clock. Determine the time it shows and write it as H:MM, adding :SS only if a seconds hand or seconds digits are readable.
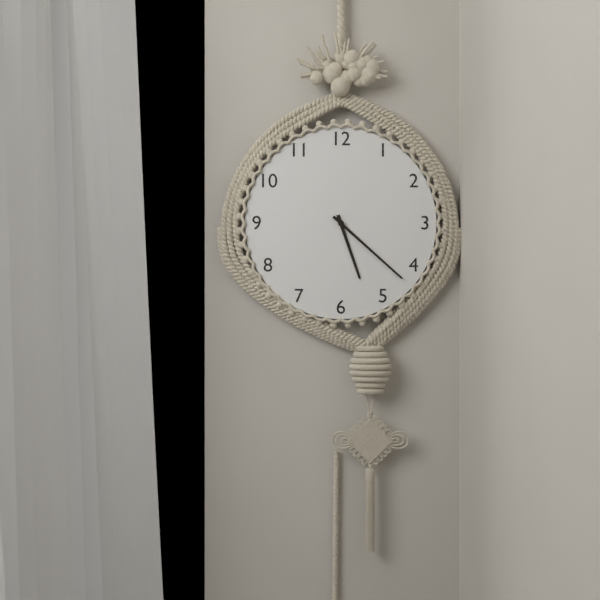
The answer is 5:22
